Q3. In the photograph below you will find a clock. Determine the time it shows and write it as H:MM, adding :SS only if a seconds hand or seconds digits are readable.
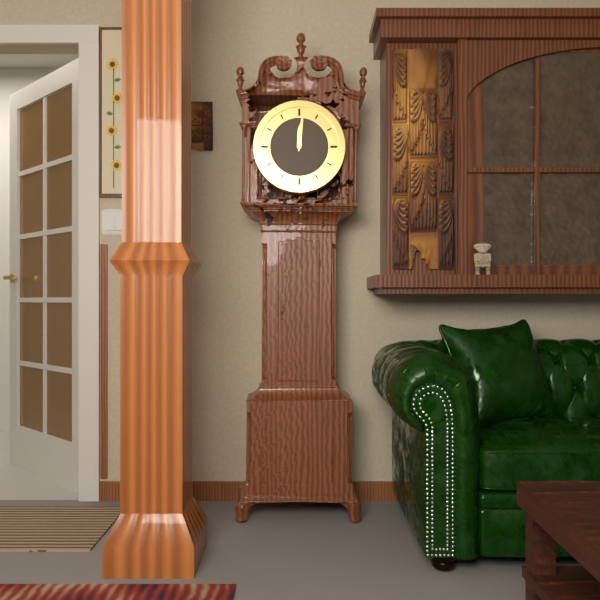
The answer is 12:01
